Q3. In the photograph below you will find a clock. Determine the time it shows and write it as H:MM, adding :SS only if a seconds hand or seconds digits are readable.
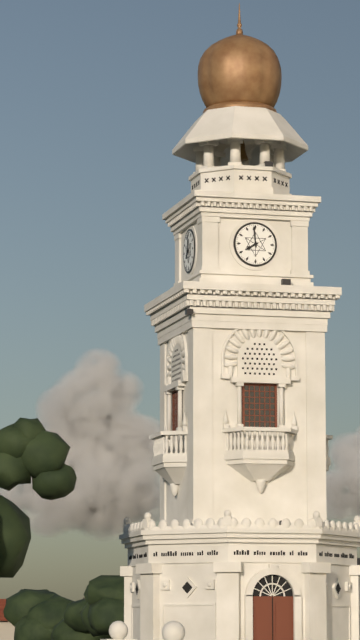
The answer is 7:59
